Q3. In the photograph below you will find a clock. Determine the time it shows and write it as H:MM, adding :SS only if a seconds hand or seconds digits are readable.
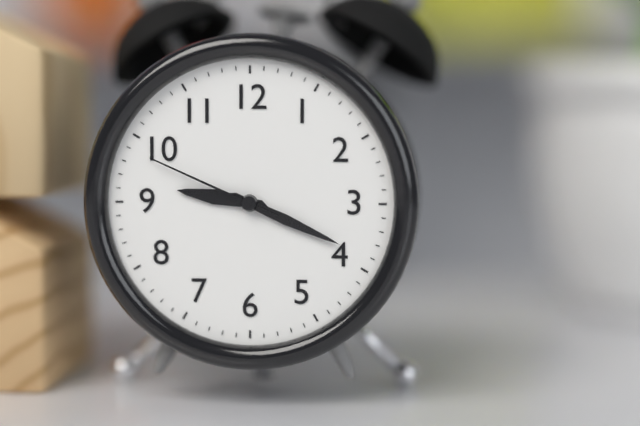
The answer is 9:19:49
